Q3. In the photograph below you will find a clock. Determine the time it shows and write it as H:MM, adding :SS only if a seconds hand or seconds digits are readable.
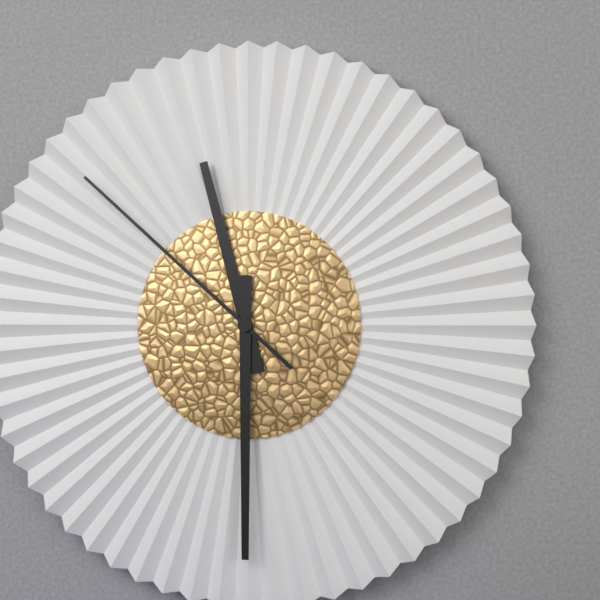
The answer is 11:30:52
